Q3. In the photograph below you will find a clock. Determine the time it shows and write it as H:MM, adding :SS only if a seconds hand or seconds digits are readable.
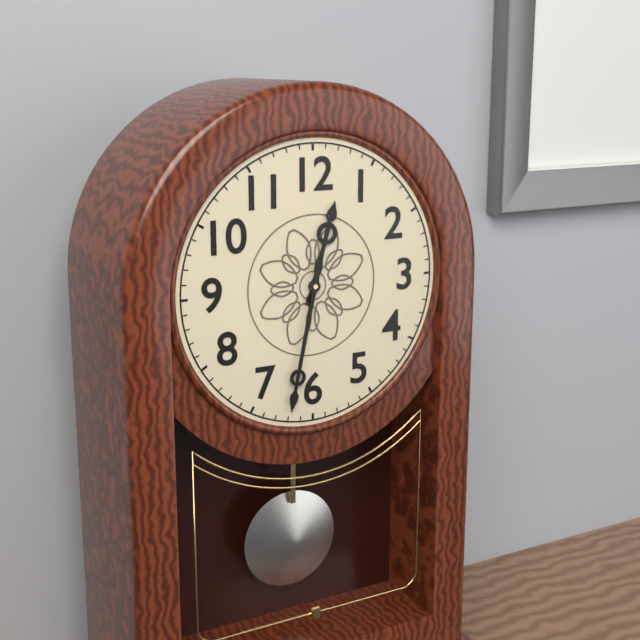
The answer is 12:32
